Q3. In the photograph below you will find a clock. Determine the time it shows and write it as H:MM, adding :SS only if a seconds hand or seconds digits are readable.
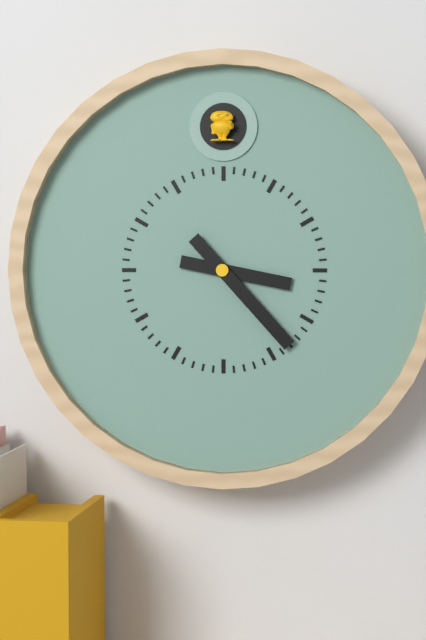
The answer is 3:23
